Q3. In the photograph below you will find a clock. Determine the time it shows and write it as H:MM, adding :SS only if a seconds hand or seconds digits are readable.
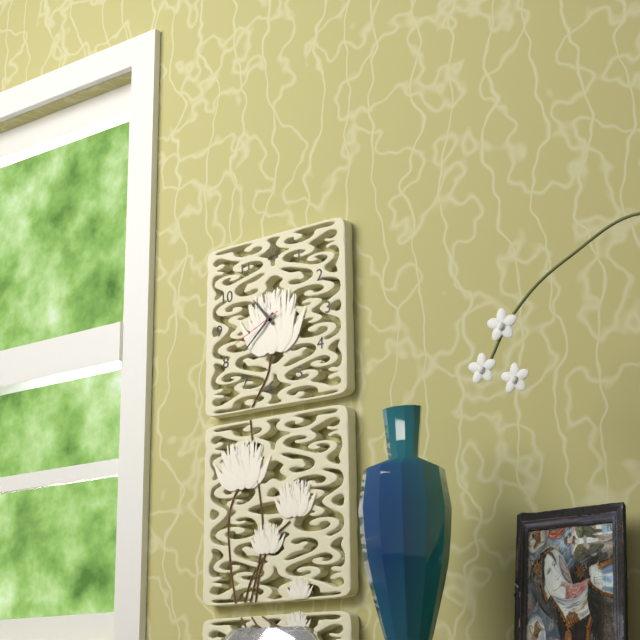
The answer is 10:38:41
